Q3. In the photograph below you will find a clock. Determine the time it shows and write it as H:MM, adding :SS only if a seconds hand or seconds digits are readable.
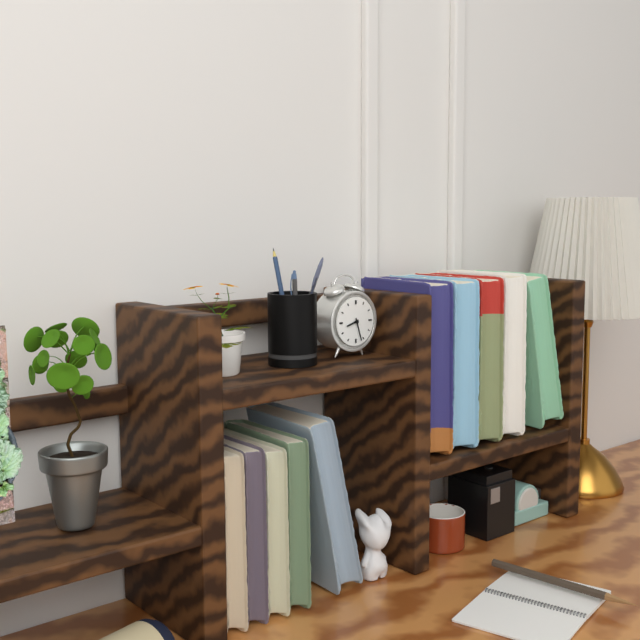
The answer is 8:27
